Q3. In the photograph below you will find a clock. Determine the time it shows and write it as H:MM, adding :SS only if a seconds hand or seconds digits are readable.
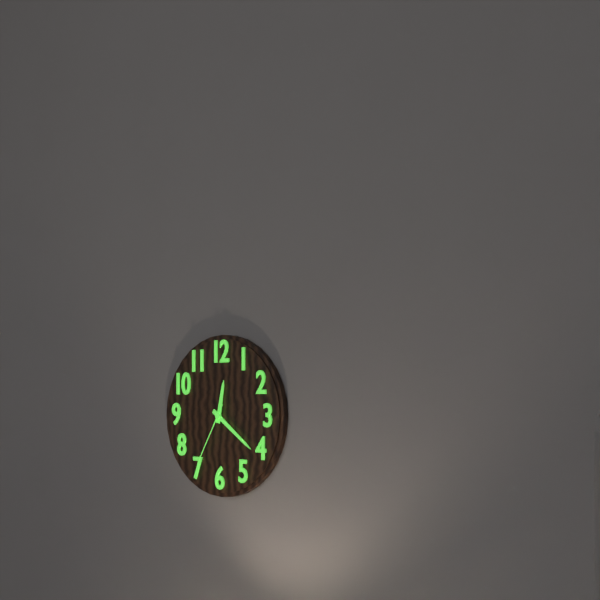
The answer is 12:21:35
